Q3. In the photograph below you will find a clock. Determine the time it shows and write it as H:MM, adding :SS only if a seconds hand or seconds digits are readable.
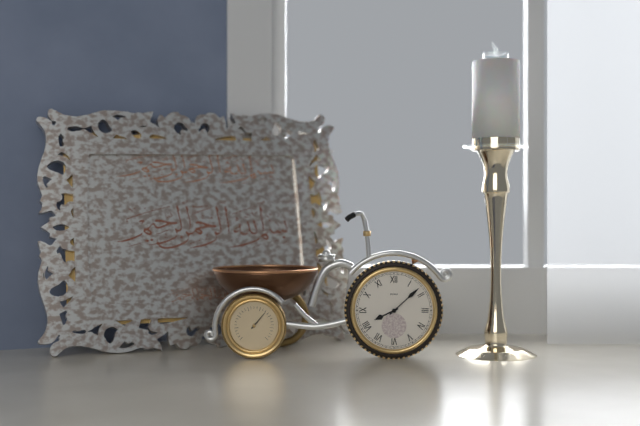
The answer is 8:08
